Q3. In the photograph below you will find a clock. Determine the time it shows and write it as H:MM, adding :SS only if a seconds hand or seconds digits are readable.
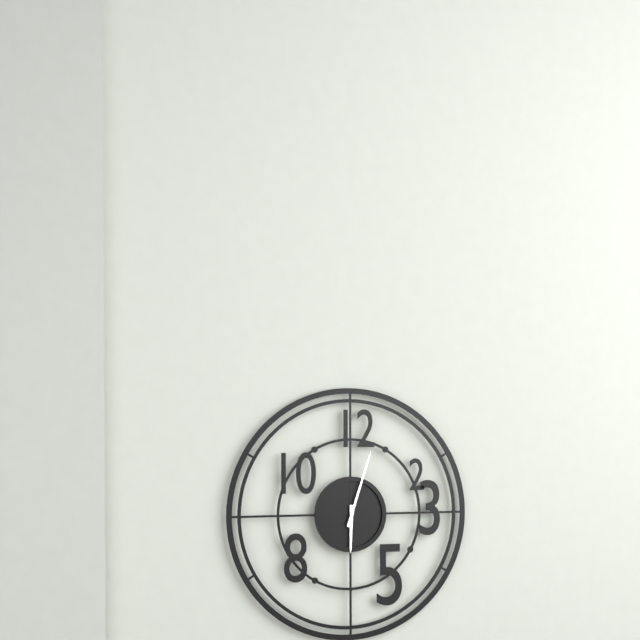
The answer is 6:03
